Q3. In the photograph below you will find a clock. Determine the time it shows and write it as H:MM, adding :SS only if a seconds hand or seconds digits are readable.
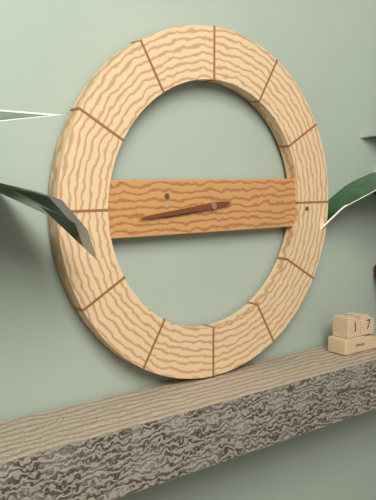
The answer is 8:44
